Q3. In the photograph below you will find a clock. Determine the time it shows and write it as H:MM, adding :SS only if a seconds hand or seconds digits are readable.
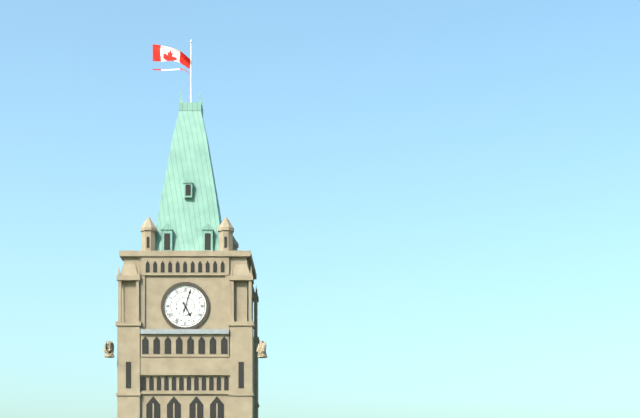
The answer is 5:03
